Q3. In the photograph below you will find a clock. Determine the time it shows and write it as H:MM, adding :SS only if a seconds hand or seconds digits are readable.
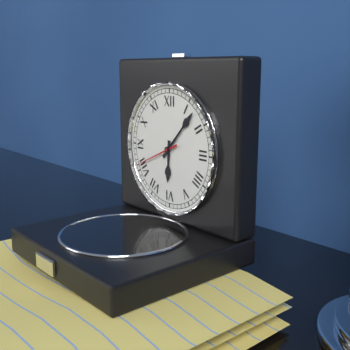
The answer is 6:07
